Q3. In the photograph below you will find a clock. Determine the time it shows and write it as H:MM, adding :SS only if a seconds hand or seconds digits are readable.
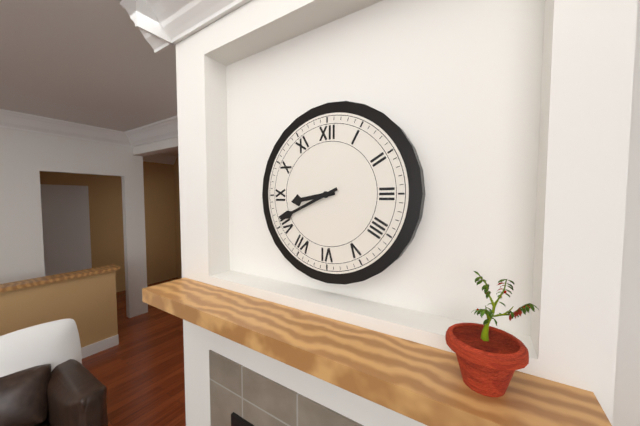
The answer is 8:41
